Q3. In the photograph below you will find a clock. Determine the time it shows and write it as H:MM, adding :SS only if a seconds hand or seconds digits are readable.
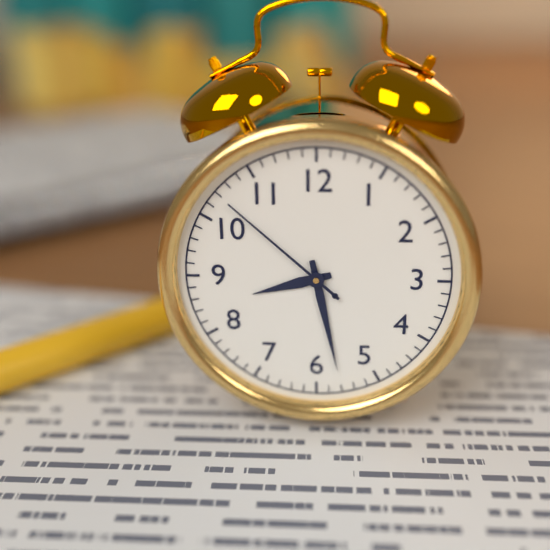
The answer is 8:28:52
